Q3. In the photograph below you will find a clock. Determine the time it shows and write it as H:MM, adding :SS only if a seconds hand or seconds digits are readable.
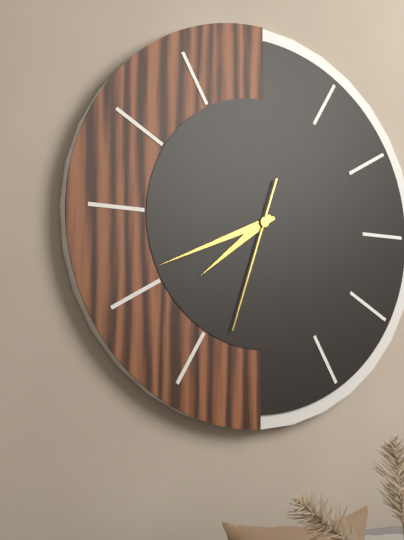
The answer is 7:41:33
